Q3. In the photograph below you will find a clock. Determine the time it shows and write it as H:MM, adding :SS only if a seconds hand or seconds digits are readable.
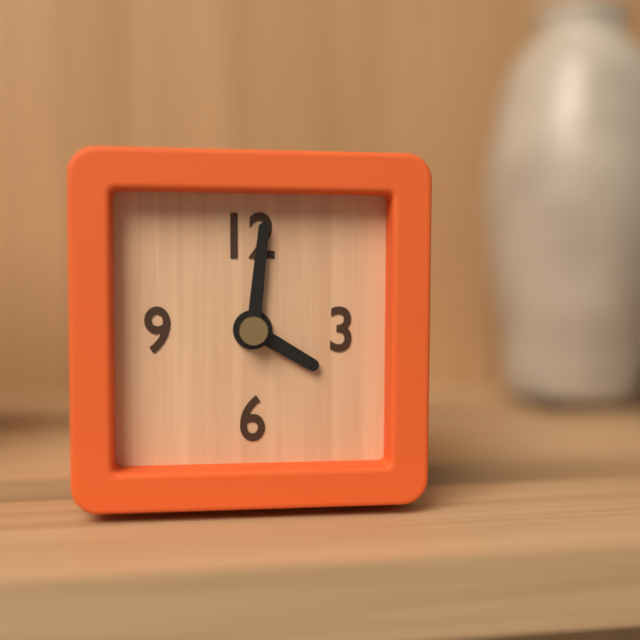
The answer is 4:01
